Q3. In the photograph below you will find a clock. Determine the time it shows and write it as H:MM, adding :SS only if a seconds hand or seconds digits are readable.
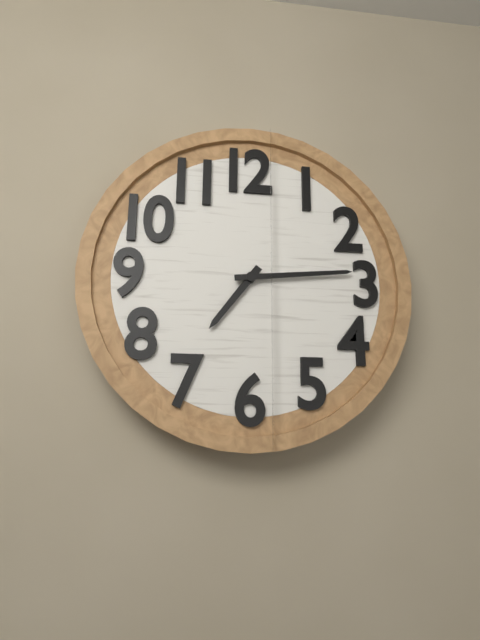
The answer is 7:14
